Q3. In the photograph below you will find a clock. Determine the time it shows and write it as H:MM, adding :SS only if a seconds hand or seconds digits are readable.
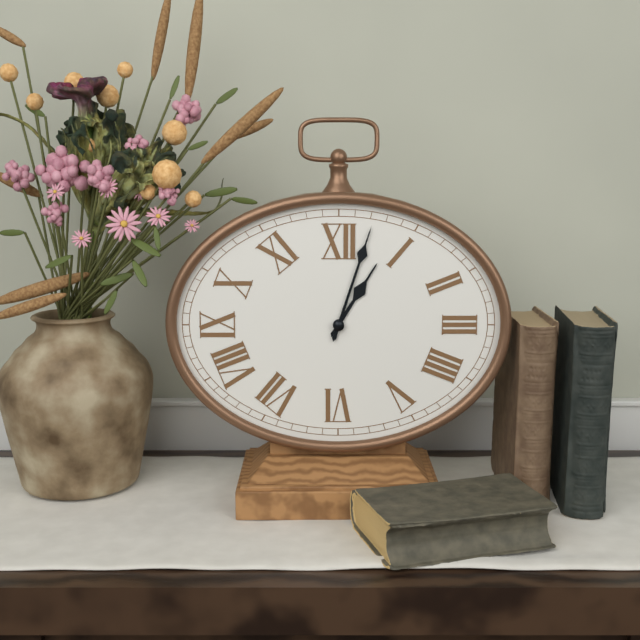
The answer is 1:03
